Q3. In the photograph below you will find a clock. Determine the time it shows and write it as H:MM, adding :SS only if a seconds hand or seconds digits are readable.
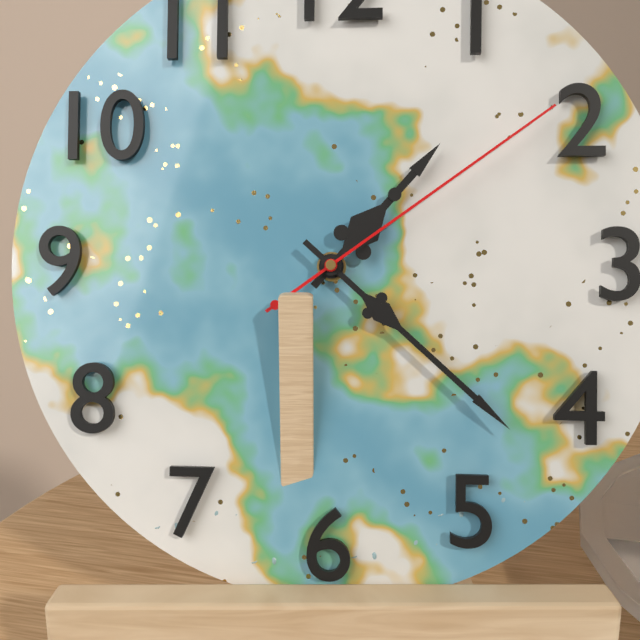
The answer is 1:22:09
